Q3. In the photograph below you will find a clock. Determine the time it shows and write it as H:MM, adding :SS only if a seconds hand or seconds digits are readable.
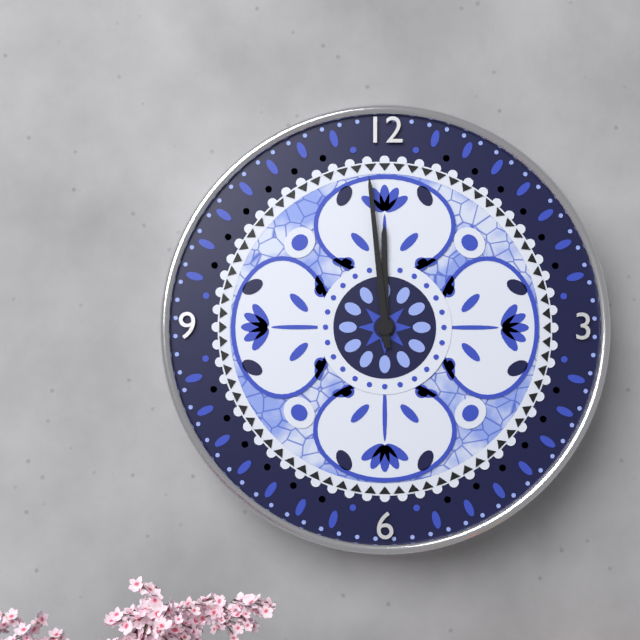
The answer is 11:59
